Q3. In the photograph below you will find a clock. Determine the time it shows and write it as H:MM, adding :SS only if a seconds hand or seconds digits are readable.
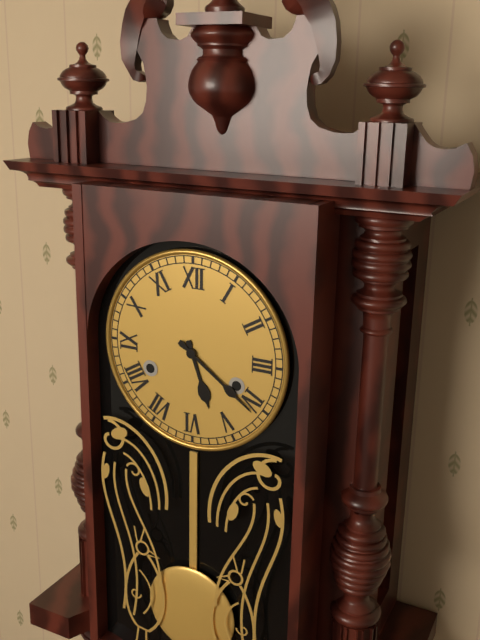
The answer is 5:21
